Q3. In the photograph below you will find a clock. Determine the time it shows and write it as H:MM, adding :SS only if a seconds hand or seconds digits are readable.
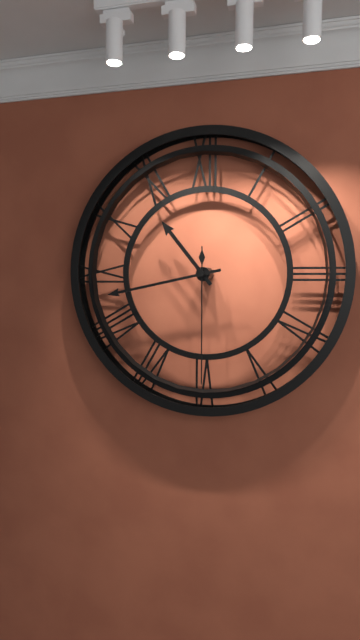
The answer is 10:43:30
